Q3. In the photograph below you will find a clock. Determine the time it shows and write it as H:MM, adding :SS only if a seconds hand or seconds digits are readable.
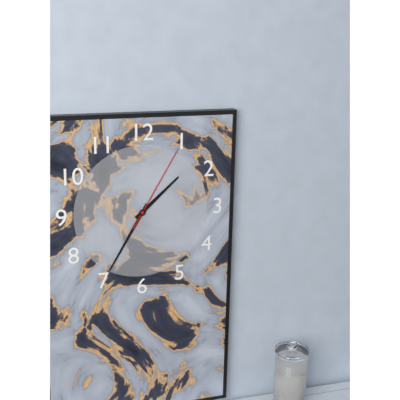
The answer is 1:35:05
